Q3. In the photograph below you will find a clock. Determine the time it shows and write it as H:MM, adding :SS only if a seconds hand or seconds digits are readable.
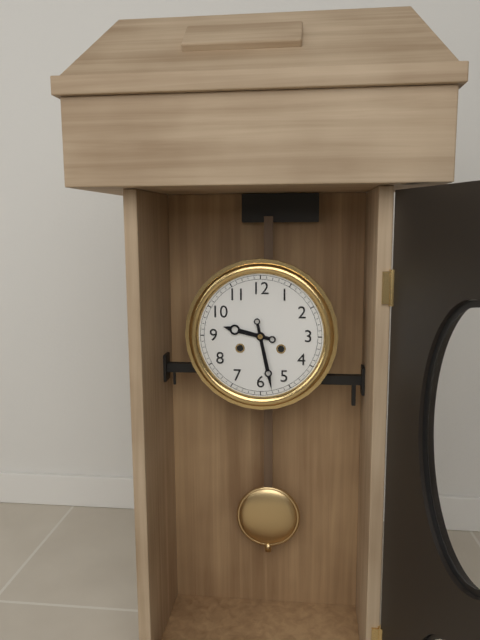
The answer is 9:28
